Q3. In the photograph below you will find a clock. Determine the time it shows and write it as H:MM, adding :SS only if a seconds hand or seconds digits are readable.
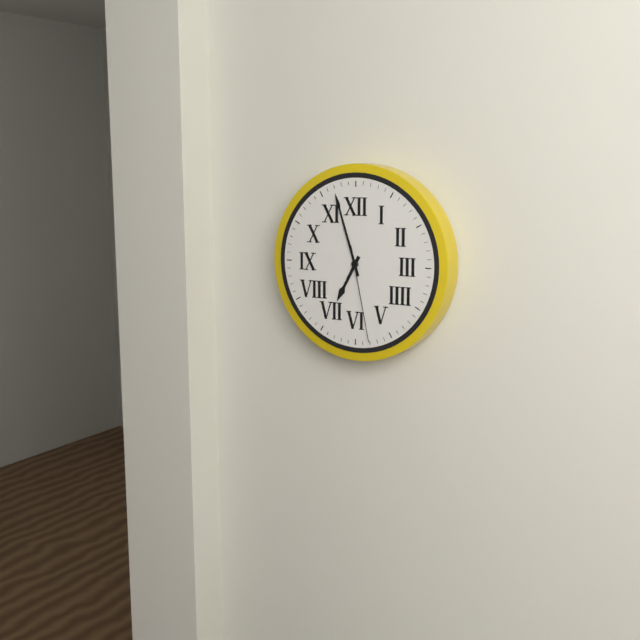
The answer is 6:57:28
